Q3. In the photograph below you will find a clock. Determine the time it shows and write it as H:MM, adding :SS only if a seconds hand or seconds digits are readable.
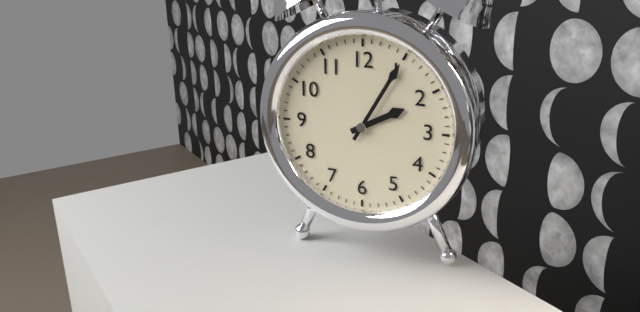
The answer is 2:05
